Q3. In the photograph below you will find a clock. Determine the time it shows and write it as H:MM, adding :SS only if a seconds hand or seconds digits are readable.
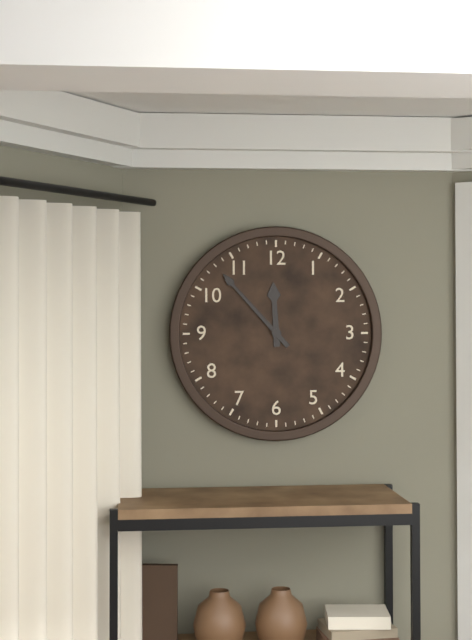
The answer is 11:53
